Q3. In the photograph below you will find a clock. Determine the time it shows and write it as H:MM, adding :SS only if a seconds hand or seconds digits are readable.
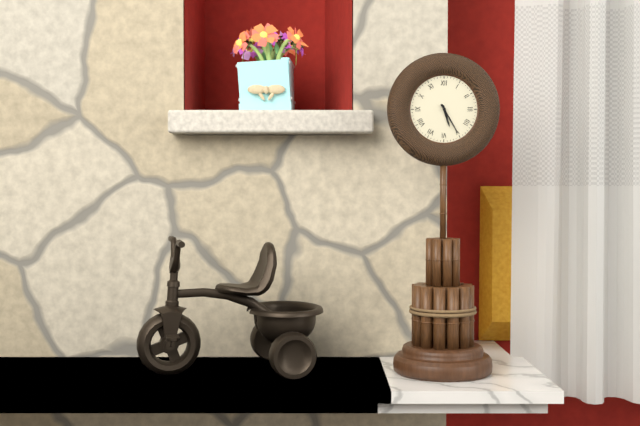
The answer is 5:25
